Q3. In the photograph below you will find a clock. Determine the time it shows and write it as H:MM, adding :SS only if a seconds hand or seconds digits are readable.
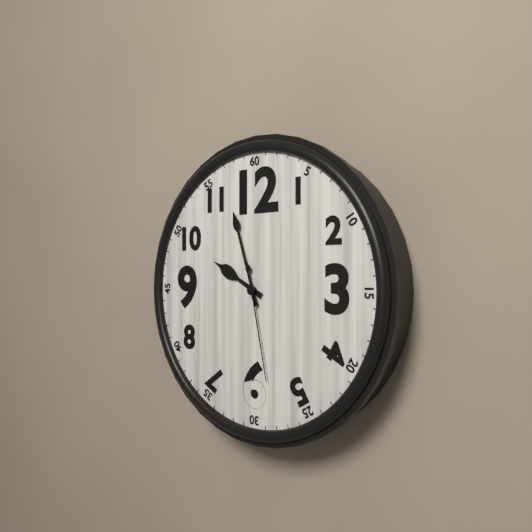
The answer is 9:57:28
